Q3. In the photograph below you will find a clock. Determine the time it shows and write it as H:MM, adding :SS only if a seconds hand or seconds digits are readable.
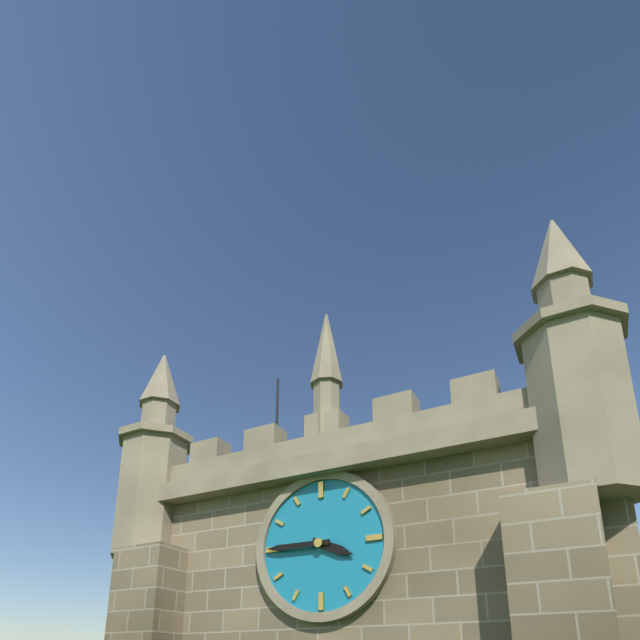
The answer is 3:45
